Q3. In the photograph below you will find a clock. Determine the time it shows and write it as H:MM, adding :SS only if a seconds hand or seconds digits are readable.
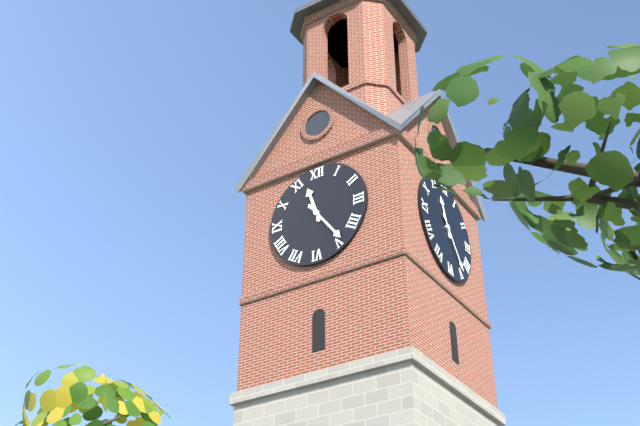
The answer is 11:24
